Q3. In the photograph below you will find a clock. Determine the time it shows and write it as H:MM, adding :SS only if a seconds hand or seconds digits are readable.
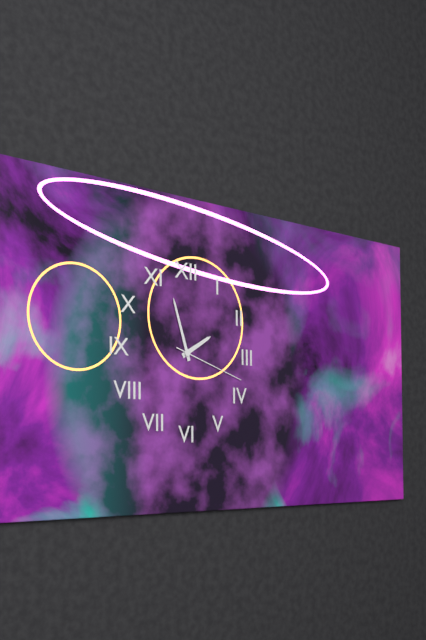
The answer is 1:57:18
